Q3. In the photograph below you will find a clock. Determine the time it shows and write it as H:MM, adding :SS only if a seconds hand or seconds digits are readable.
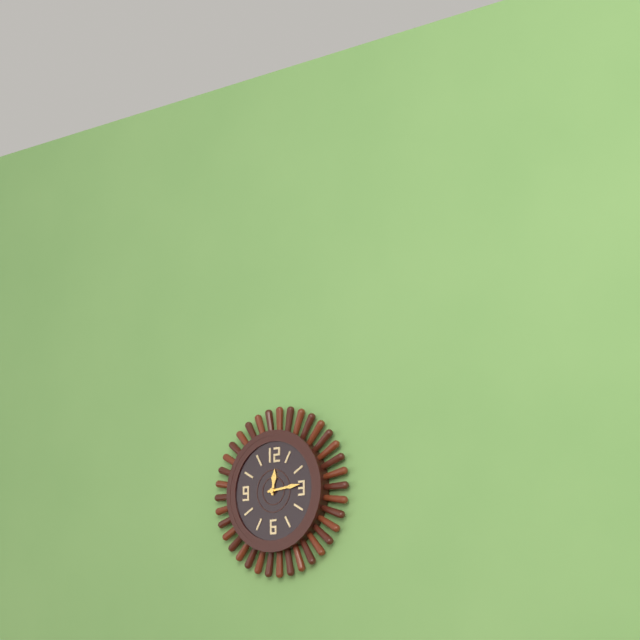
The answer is 12:14
